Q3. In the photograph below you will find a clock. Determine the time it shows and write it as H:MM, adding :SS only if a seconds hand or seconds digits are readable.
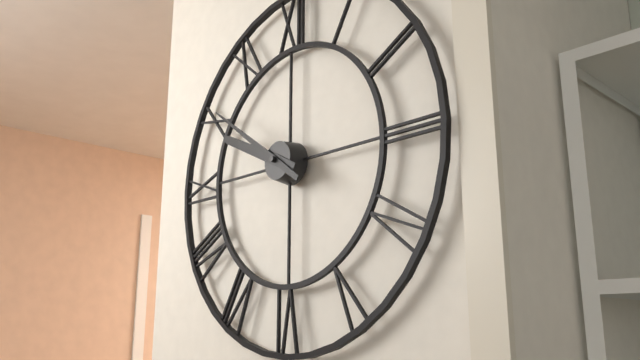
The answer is 9:51
